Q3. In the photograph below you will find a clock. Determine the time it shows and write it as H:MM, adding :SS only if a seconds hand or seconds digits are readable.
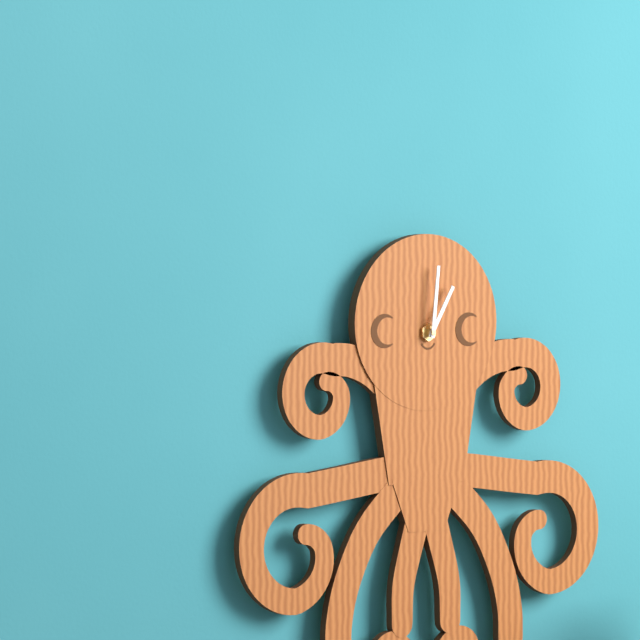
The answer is 1:01
